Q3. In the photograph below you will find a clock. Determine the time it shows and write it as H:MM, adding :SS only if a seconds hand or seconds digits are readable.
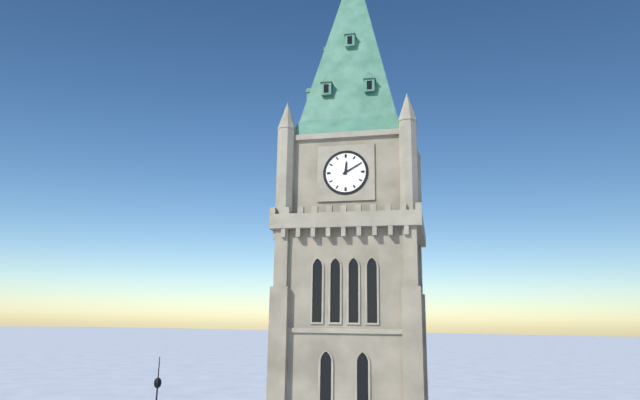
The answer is 12:10
